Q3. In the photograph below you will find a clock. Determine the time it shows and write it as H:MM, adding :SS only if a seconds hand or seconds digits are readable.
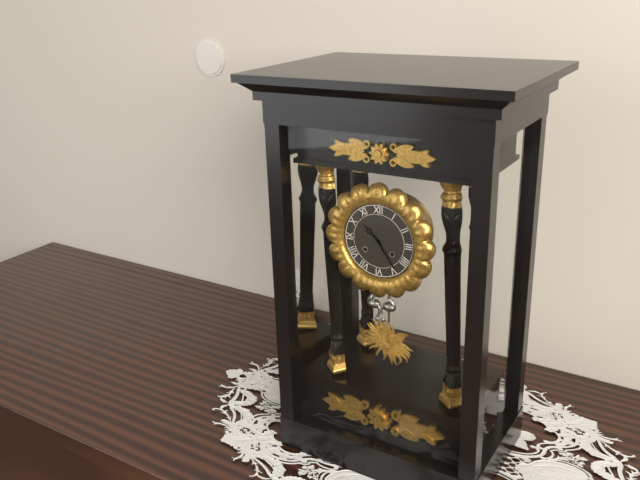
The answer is 10:24
